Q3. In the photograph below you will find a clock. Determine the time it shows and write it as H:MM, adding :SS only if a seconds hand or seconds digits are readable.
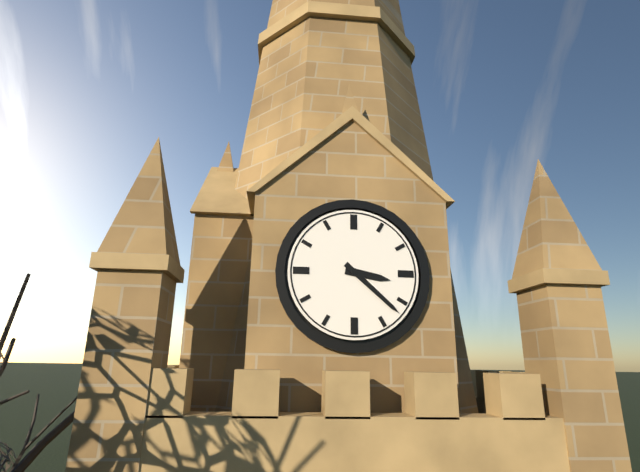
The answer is 3:22
